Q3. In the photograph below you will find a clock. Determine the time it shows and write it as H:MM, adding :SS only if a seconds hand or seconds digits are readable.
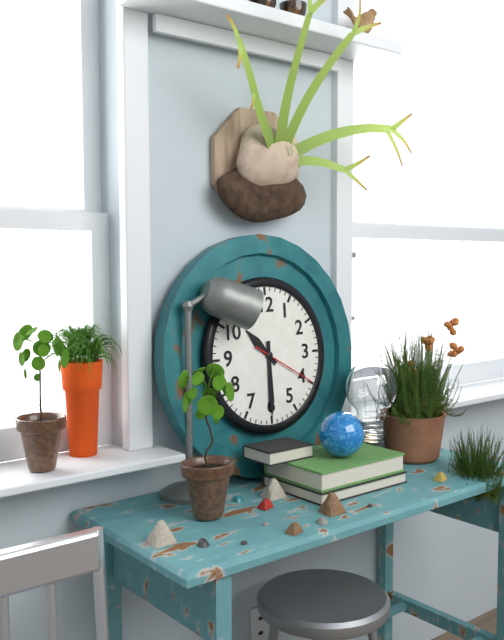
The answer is 10:30:20
